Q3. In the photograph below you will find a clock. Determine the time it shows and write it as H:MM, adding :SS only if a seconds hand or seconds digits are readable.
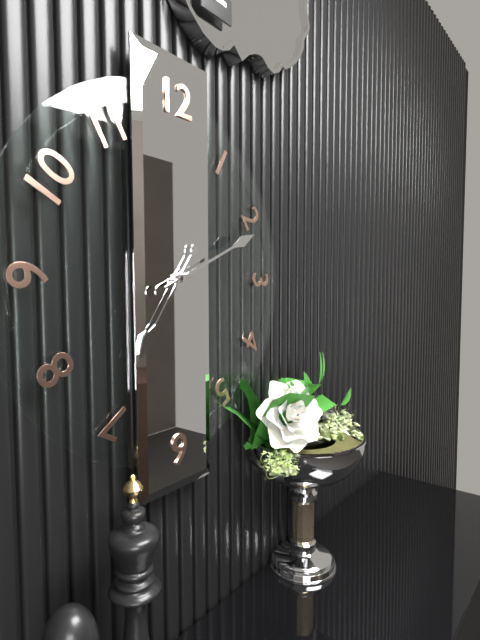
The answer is 7:11
